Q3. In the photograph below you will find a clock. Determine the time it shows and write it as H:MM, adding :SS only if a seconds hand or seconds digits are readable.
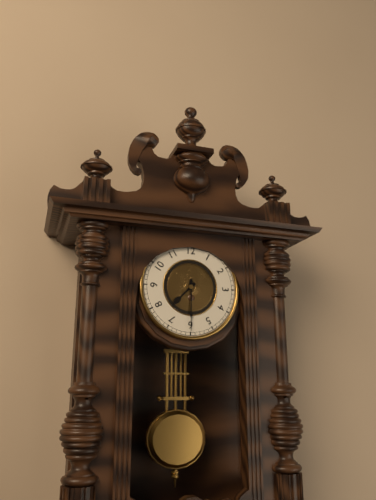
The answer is 7:30
